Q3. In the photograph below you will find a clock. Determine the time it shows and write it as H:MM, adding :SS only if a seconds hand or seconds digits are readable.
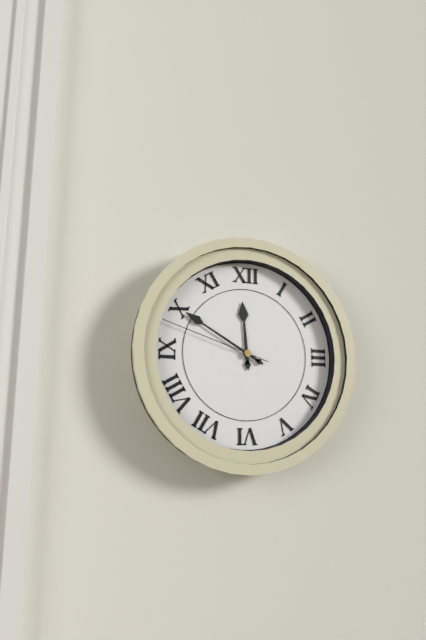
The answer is 11:50:48
